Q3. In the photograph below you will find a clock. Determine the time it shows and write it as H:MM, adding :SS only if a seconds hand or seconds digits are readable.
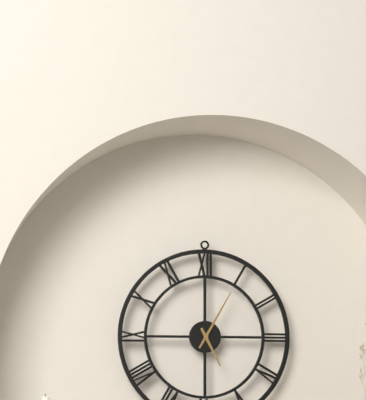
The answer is 5:05
